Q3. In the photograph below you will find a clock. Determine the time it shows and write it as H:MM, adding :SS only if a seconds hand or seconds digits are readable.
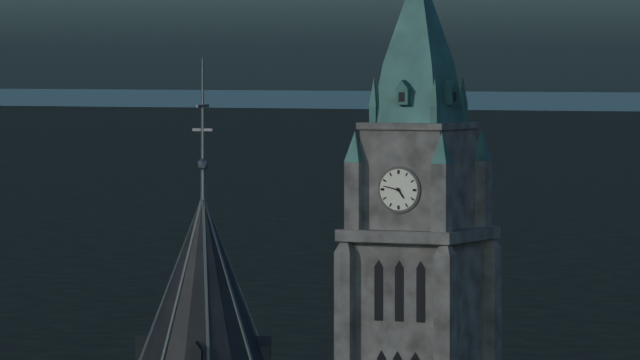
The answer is 4:47
